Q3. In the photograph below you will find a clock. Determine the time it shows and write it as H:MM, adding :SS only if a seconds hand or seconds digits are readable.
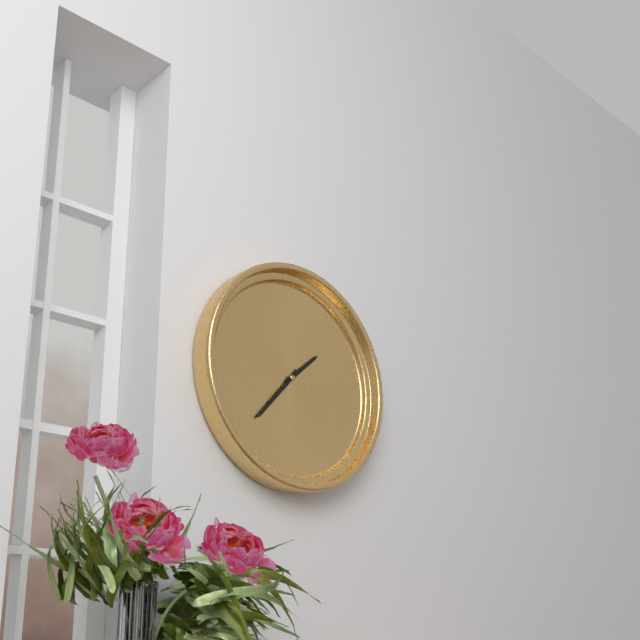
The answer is 1:37
